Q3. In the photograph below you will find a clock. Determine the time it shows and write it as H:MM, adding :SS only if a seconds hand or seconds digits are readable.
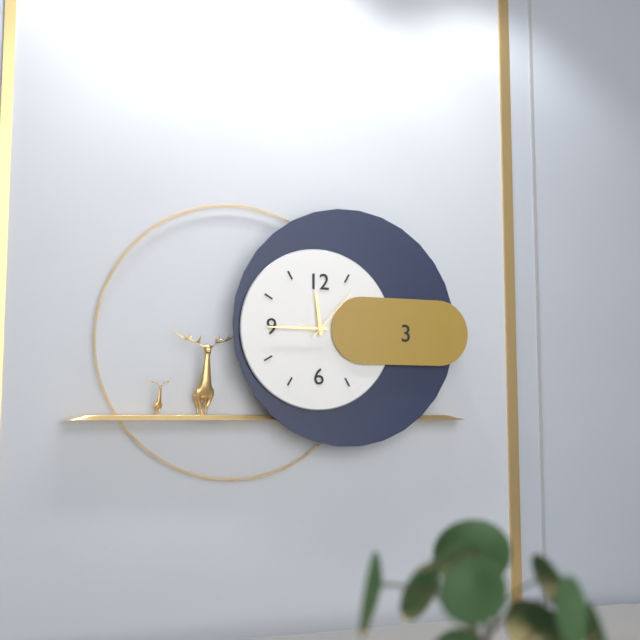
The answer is 11:45:07
